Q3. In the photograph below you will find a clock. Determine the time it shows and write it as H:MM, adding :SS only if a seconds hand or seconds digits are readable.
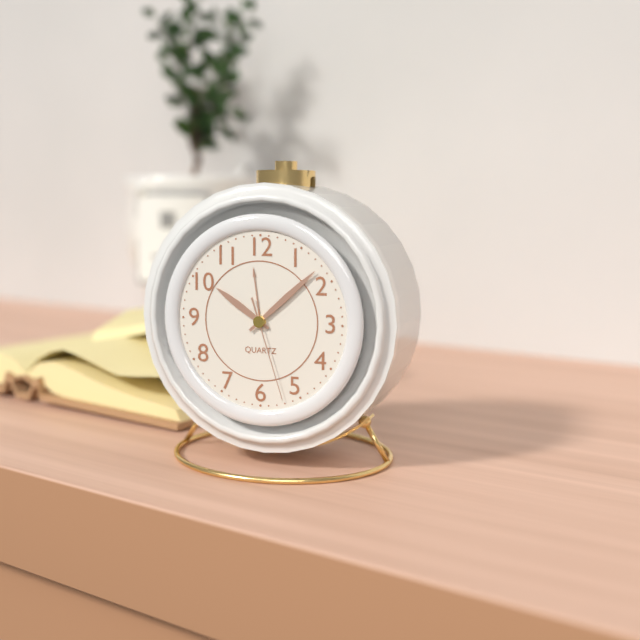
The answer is 10:08:27
